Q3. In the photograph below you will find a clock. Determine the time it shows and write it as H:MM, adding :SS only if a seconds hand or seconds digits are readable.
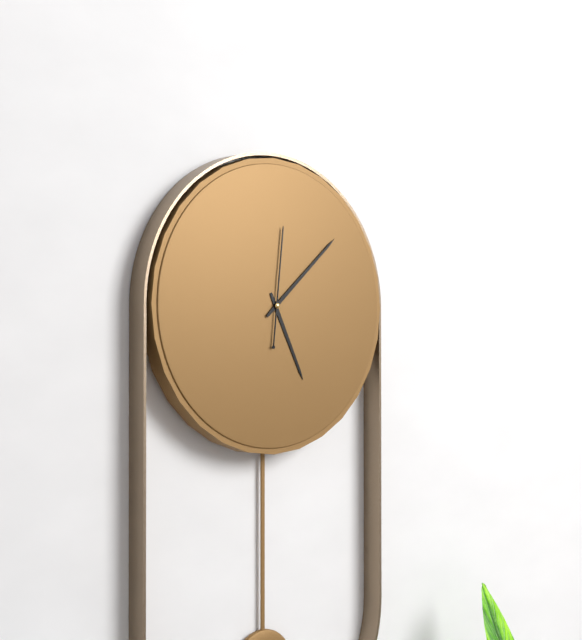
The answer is 5:08:01
